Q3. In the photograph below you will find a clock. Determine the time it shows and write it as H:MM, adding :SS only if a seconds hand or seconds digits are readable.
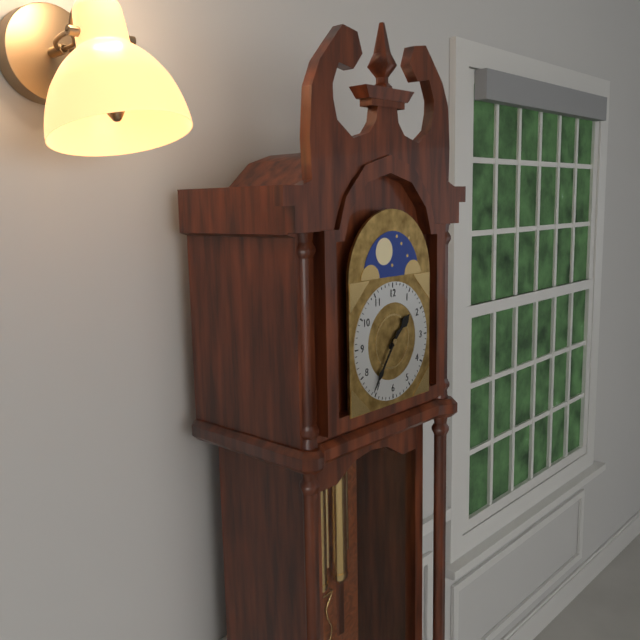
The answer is 1:36
